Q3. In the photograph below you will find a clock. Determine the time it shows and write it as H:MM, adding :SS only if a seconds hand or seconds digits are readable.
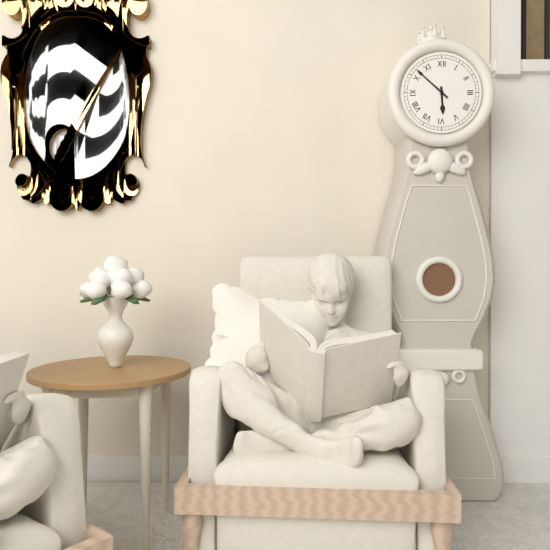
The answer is 5:52
